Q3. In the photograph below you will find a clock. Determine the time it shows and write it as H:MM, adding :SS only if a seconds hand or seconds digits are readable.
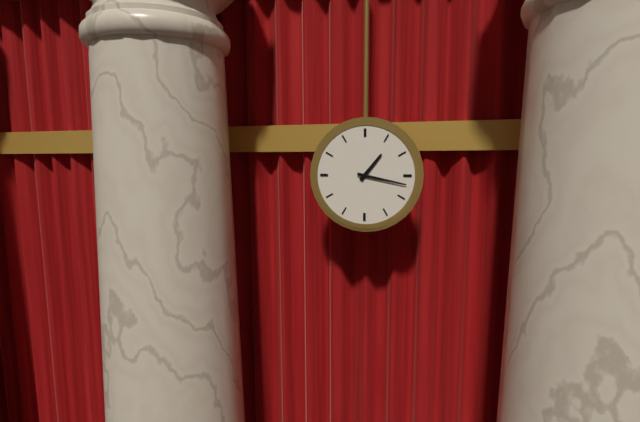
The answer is 1:17
